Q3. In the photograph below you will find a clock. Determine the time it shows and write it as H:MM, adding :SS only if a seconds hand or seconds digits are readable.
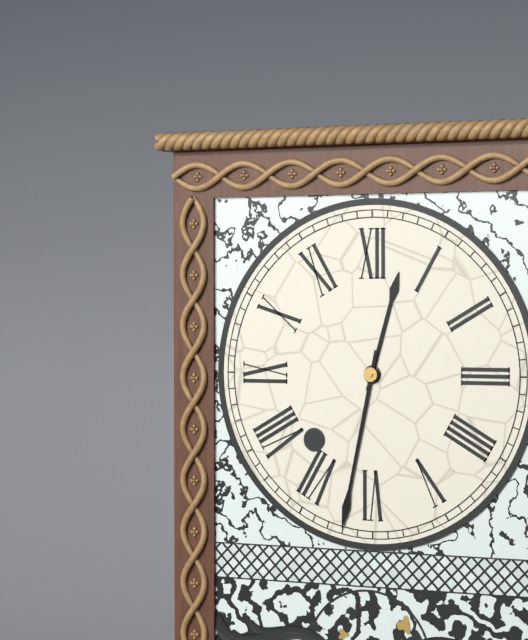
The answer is 12:32
